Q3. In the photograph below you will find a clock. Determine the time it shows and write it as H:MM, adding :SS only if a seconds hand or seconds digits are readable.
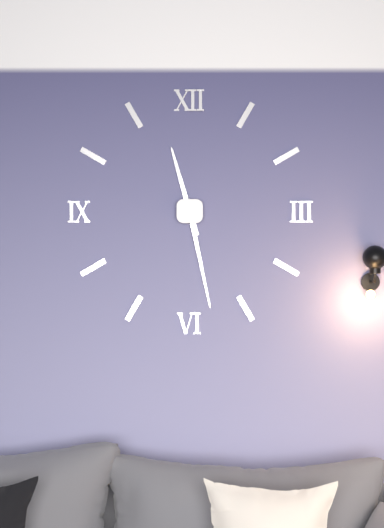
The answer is 11:28
